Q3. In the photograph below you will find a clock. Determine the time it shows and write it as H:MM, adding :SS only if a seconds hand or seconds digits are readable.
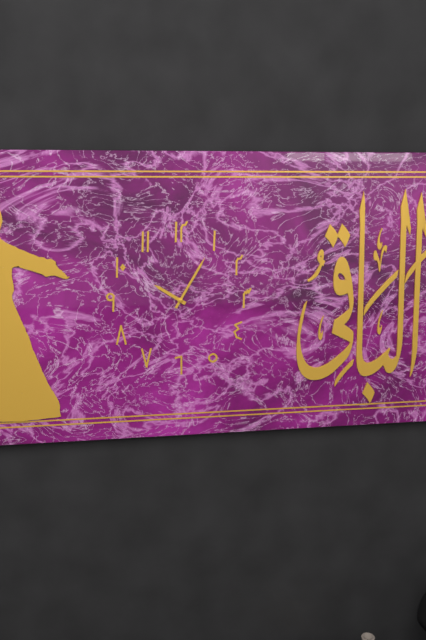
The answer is 10:05
